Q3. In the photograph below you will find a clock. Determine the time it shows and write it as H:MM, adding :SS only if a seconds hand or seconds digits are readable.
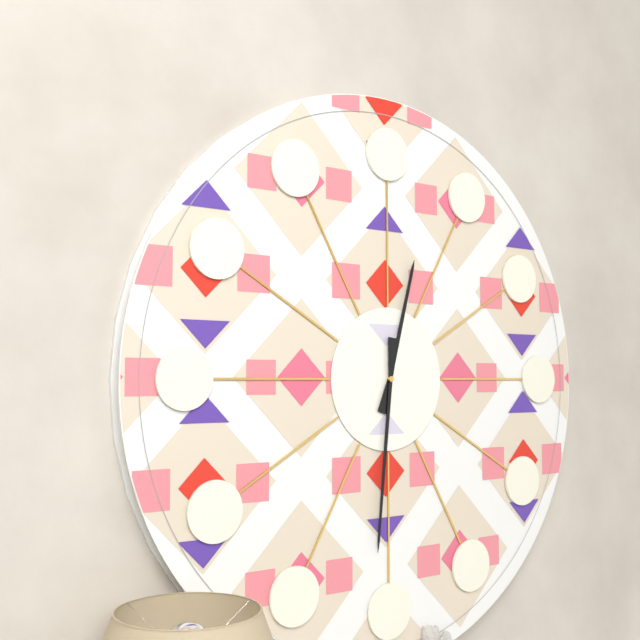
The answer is 12:31
